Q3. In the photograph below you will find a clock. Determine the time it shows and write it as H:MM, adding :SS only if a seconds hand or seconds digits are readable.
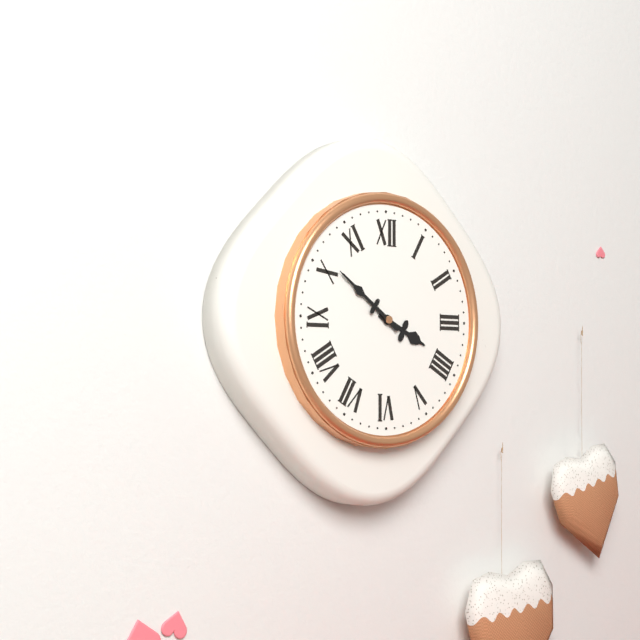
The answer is 3:51
